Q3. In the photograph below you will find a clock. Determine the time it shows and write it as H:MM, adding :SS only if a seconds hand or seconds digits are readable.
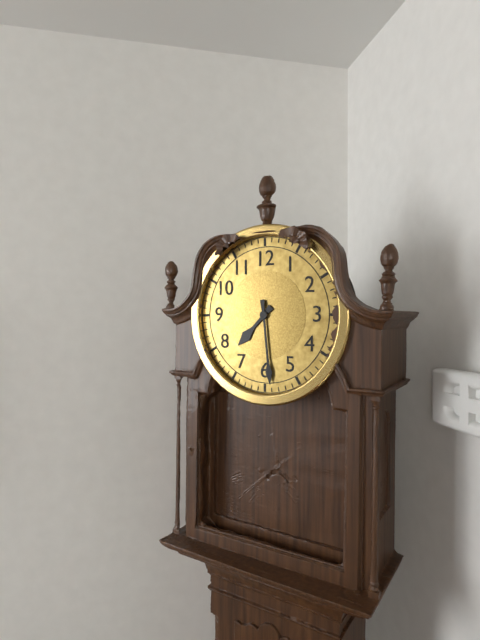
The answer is 7:29
